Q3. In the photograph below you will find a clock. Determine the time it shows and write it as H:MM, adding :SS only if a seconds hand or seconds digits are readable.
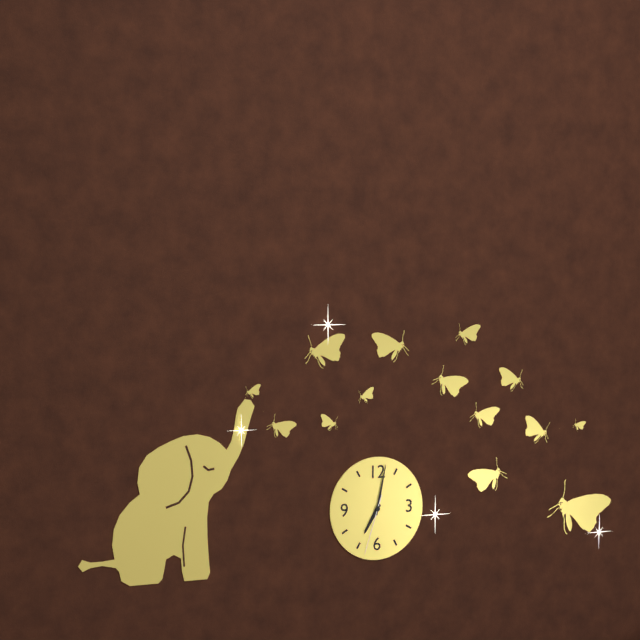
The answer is 7:02:33
